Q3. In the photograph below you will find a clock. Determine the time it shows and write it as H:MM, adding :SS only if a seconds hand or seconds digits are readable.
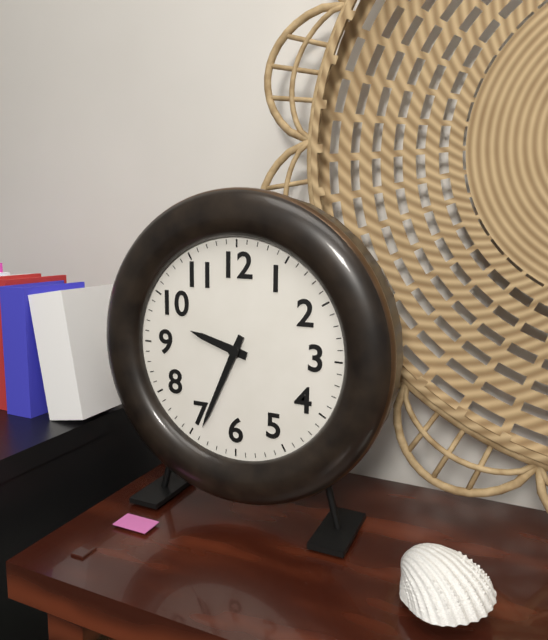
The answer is 9:34
